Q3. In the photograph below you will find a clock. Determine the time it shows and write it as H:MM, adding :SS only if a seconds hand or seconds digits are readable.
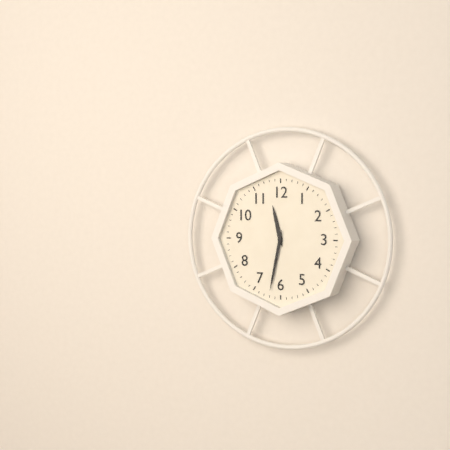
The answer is 11:32
